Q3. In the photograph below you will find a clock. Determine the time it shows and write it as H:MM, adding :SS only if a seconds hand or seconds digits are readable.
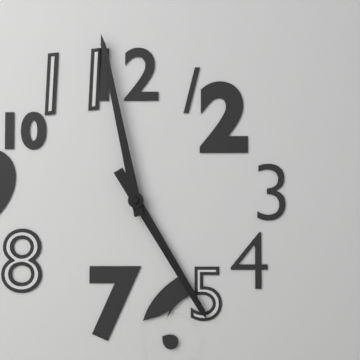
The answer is 4:58
